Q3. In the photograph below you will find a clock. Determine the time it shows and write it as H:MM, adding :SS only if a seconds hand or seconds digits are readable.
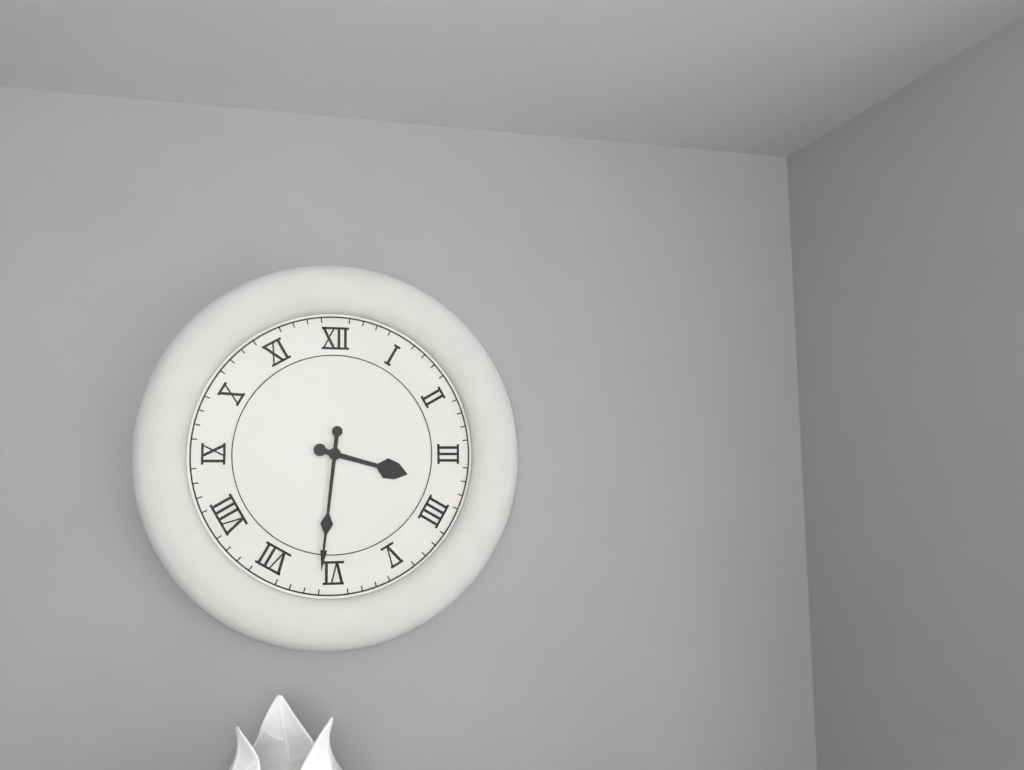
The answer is 3:31
